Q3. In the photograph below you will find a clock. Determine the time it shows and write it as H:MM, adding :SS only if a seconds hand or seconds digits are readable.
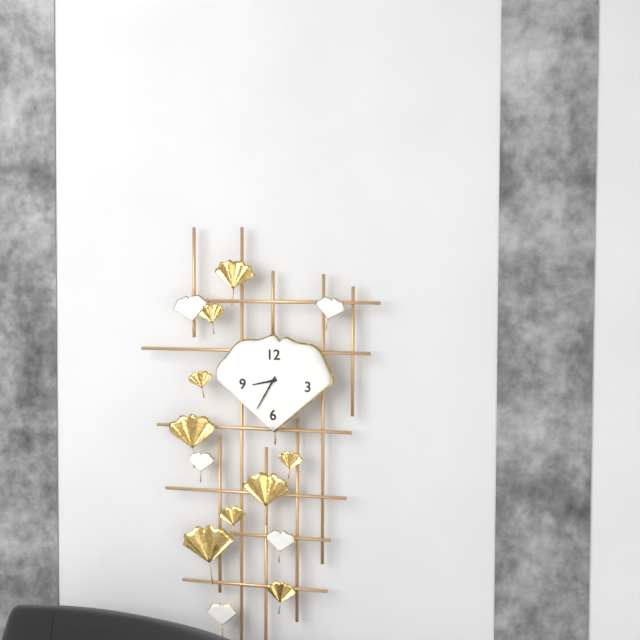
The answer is 8:35
